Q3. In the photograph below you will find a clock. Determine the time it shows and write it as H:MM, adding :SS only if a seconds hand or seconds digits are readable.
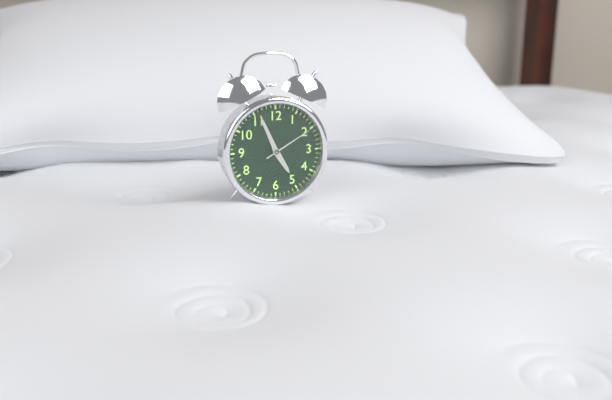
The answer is 4:56:10
